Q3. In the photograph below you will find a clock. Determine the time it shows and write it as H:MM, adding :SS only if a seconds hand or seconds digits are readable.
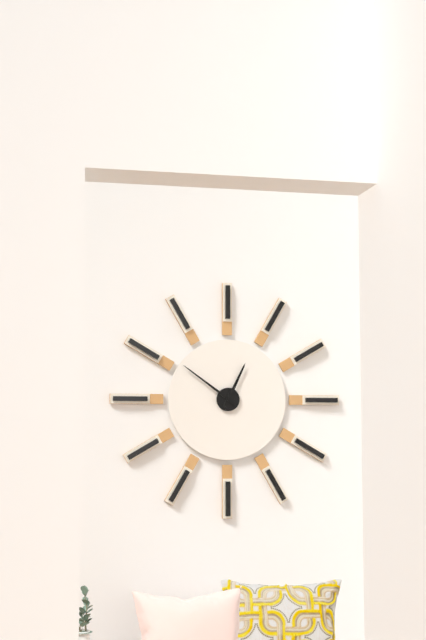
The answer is 12:51
